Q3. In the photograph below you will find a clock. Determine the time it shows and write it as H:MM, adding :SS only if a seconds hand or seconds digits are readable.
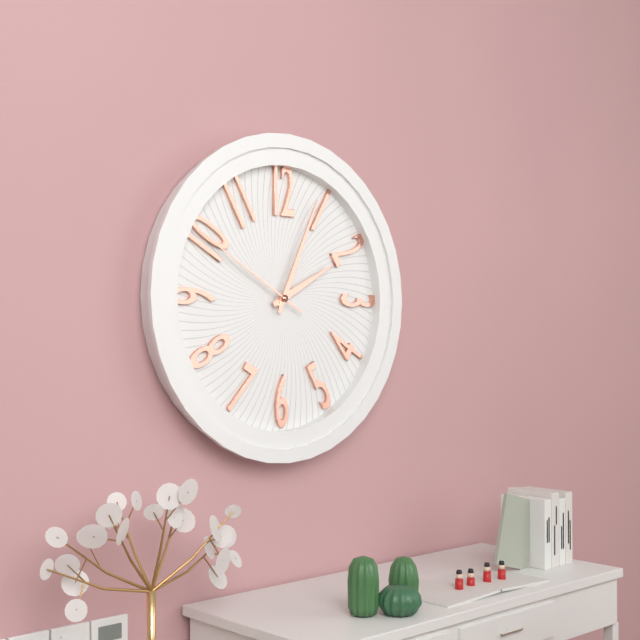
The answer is 2:04:50
